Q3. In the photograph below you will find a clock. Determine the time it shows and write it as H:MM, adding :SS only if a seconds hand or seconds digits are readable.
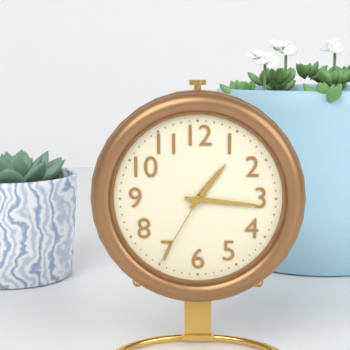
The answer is 1:16:35
